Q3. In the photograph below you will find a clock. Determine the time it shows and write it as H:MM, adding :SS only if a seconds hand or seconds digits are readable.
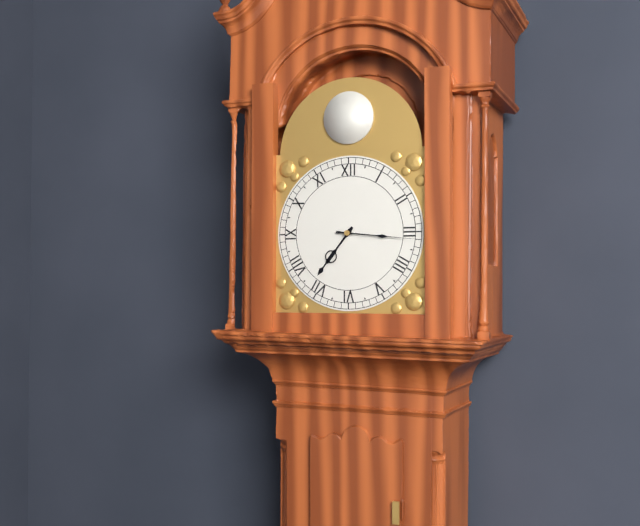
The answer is 7:16
